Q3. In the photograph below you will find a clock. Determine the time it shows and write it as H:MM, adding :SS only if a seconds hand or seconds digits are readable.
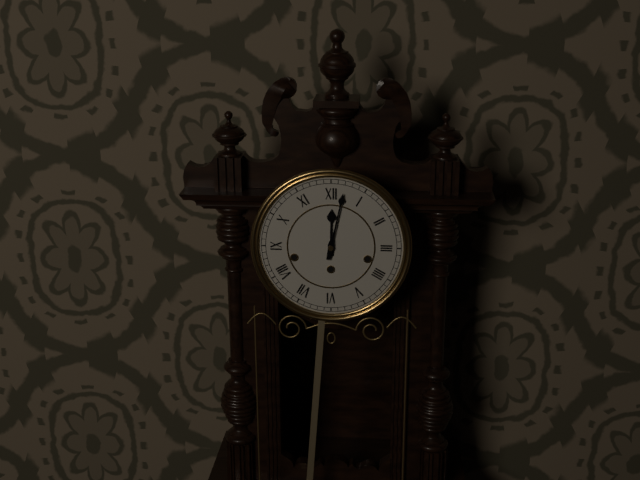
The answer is 12:02
